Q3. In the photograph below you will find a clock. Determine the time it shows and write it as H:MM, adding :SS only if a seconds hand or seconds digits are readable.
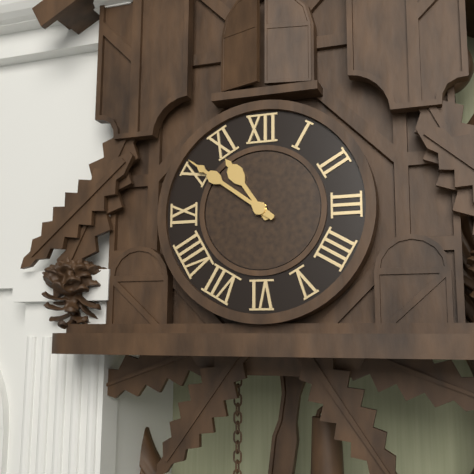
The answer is 10:51
